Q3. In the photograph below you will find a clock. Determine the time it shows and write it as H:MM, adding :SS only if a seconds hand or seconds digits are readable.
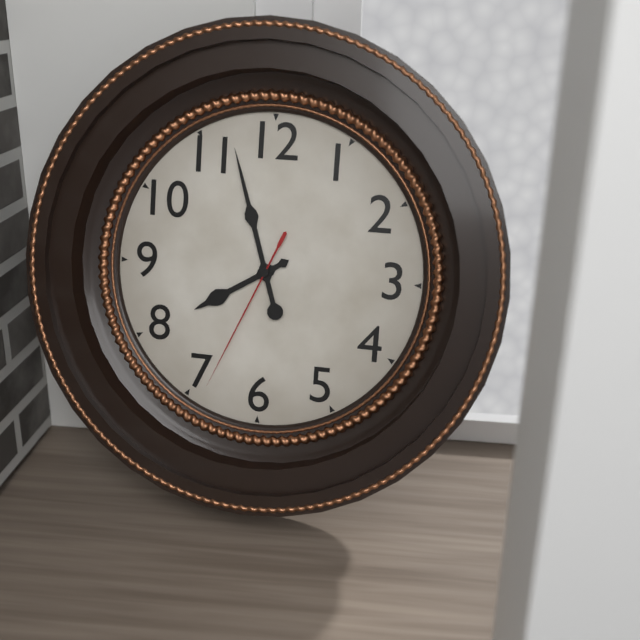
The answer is 7:57:34
